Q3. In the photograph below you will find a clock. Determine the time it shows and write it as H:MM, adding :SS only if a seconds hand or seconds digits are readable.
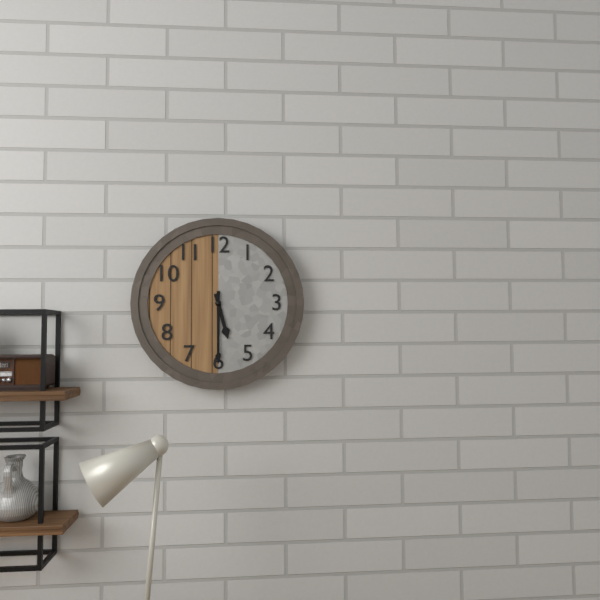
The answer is 5:30
